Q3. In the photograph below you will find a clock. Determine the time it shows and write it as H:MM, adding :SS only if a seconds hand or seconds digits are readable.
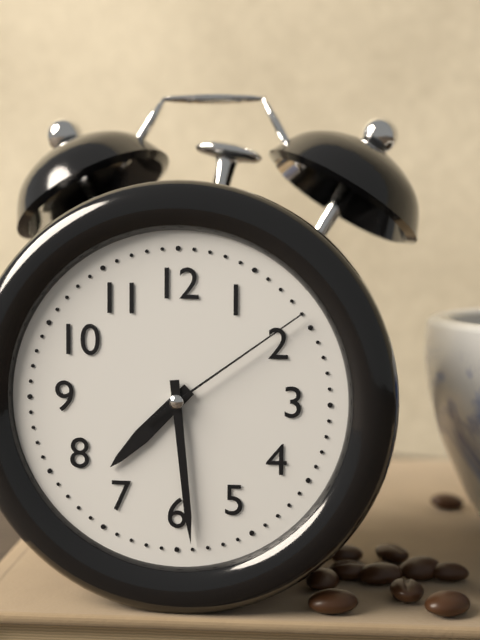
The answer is 7:29:09
